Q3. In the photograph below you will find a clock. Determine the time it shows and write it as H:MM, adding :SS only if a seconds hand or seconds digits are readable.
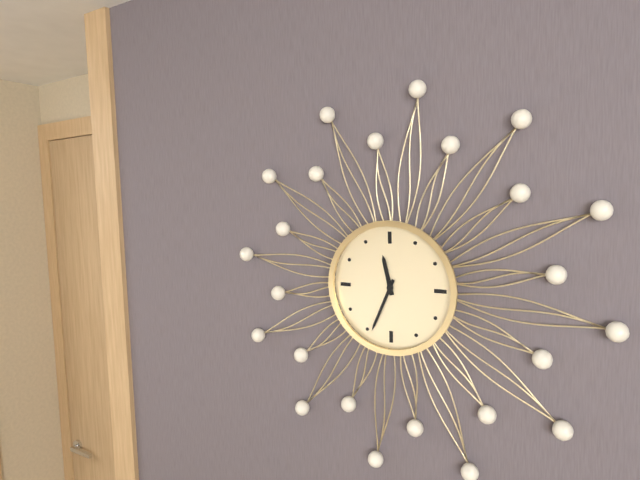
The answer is 11:34
